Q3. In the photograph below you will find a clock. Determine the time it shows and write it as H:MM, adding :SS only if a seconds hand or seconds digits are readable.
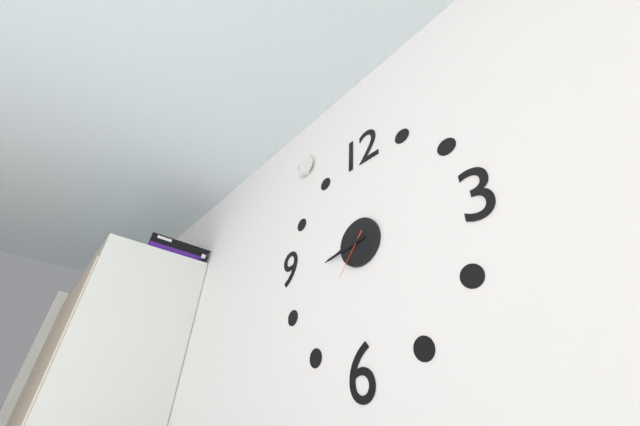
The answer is 8:43:36
